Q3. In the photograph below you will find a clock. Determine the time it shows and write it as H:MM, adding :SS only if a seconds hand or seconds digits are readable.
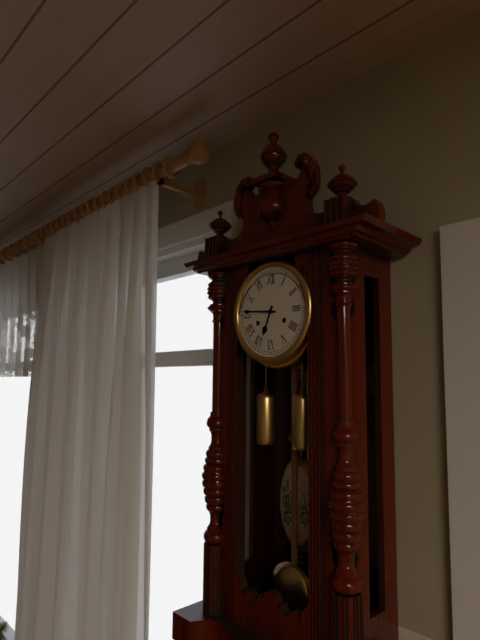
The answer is 6:46
